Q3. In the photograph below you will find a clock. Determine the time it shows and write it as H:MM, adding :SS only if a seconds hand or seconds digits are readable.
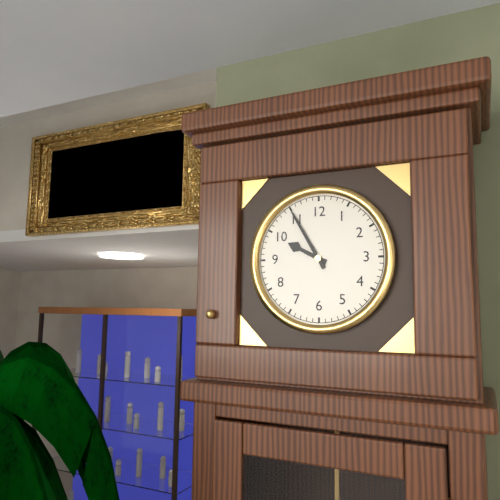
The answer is 9:55
